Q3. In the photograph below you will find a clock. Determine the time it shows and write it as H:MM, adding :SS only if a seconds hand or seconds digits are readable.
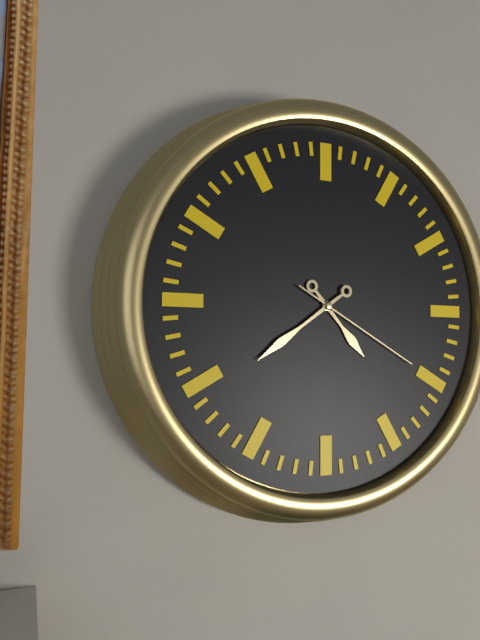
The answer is 4:39:20
